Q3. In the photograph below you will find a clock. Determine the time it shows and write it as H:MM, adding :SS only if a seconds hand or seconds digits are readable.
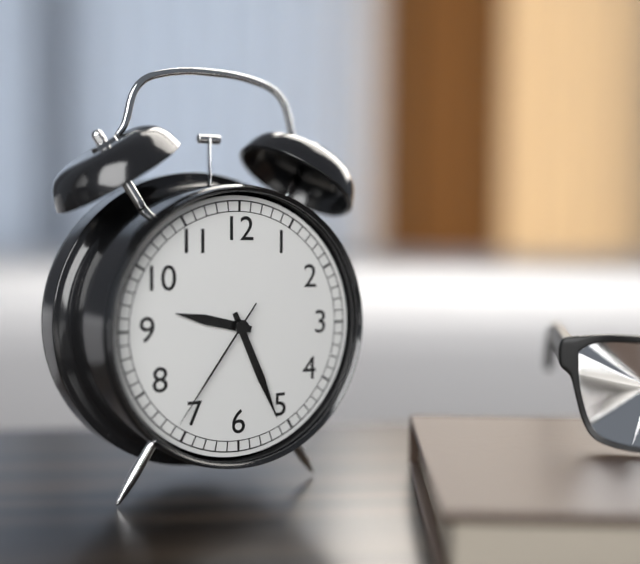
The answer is 9:26:36
